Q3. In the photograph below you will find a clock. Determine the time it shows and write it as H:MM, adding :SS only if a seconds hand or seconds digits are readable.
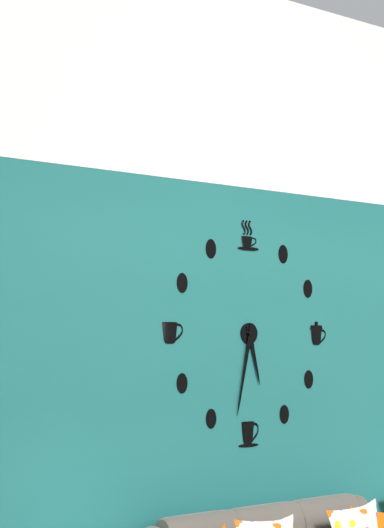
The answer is 5:32
